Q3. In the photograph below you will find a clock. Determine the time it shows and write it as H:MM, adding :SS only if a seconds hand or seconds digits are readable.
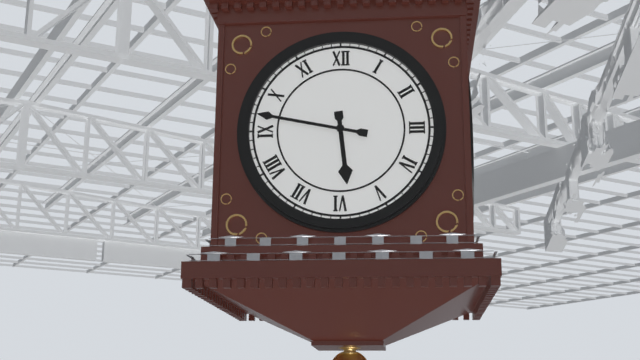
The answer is 5:47
